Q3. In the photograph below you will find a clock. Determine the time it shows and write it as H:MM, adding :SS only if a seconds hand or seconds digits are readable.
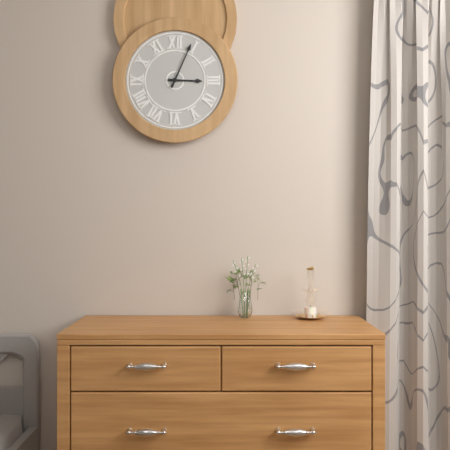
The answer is 3:04
